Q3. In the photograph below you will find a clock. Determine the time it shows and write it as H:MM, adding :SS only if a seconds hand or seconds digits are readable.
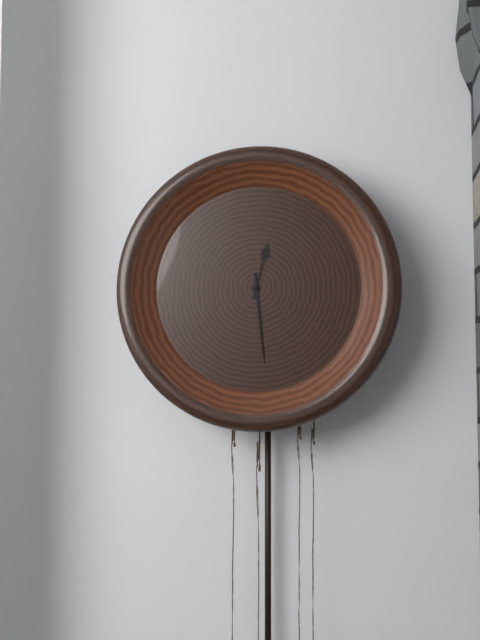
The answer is 12:29
